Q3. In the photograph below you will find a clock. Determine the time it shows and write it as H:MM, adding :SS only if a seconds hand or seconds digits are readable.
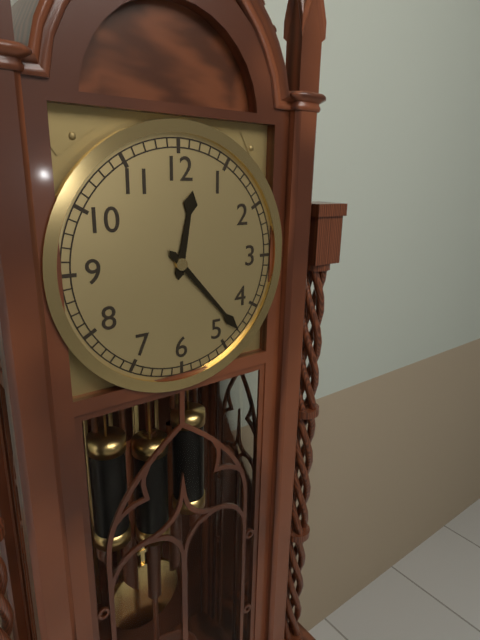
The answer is 12:23
